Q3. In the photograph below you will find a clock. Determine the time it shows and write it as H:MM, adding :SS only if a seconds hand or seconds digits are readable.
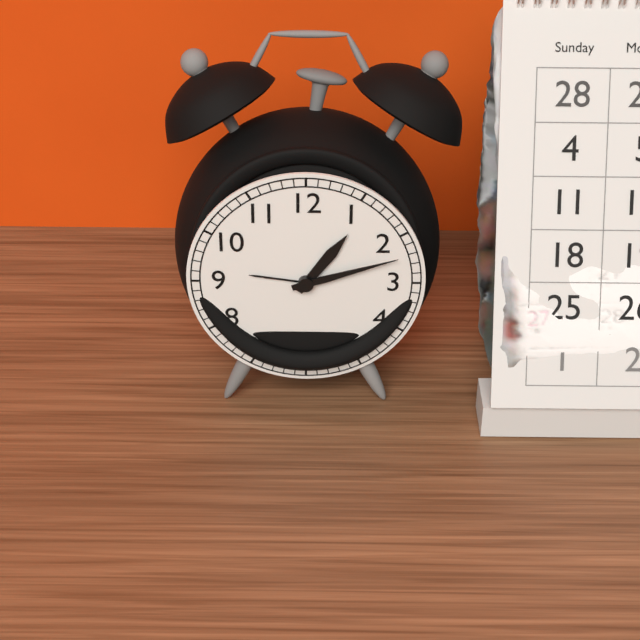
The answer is 1:12
